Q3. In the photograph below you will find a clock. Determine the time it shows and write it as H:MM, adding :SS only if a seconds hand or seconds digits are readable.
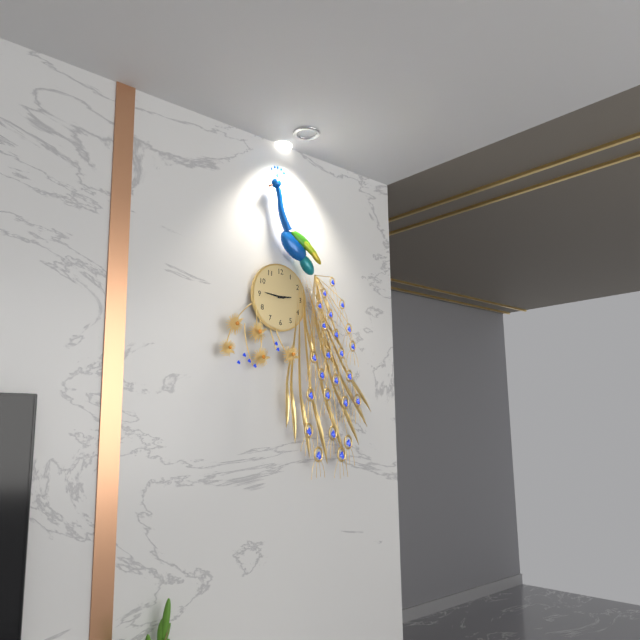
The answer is 2:46
